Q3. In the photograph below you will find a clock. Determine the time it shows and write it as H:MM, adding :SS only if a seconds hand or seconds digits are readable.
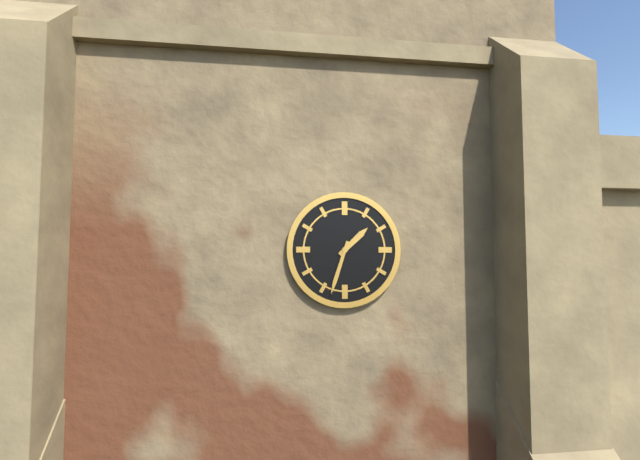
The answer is 1:33
